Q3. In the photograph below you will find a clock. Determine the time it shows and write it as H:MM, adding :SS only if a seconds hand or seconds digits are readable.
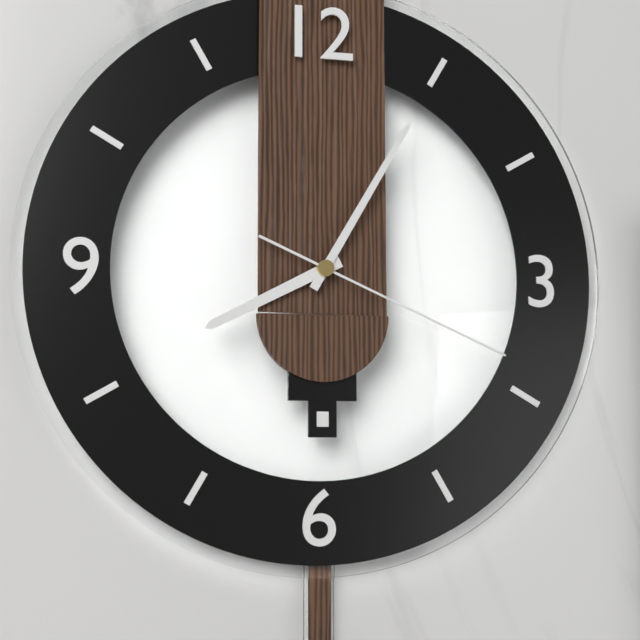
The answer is 8:05:19
